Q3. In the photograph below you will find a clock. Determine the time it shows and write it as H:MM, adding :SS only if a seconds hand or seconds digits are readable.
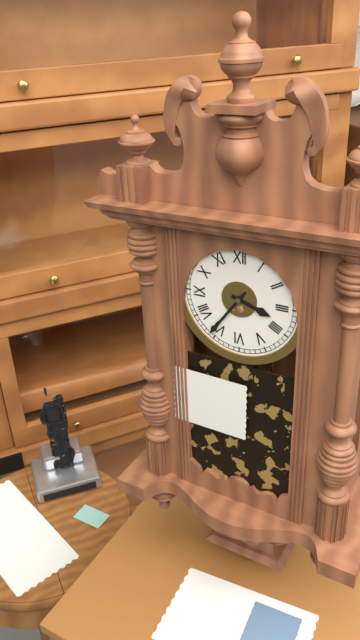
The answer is 3:36
